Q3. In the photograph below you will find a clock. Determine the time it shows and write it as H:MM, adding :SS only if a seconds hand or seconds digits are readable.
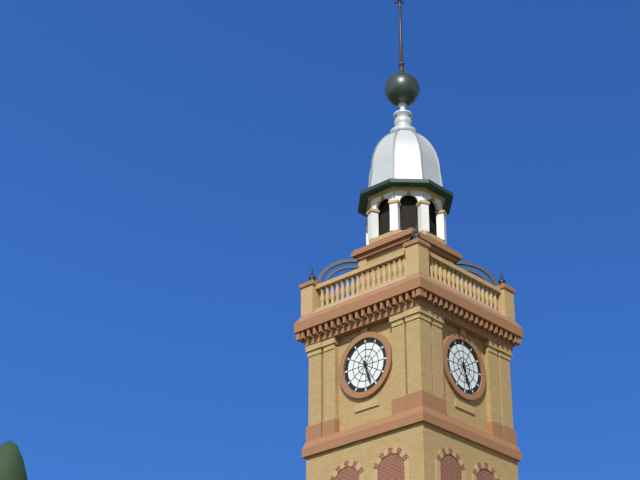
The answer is 5:27
